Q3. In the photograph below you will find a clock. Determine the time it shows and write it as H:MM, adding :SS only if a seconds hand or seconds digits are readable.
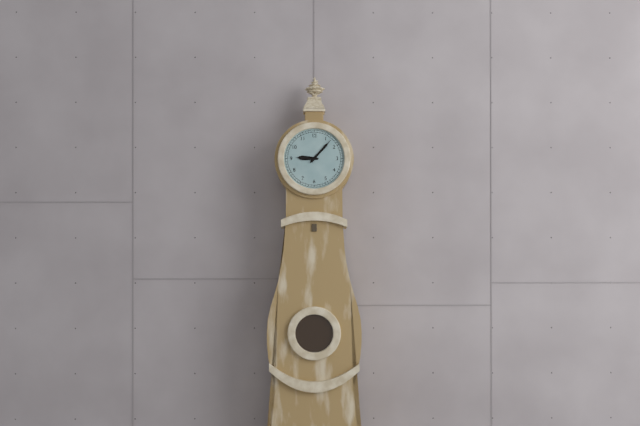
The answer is 9:07
